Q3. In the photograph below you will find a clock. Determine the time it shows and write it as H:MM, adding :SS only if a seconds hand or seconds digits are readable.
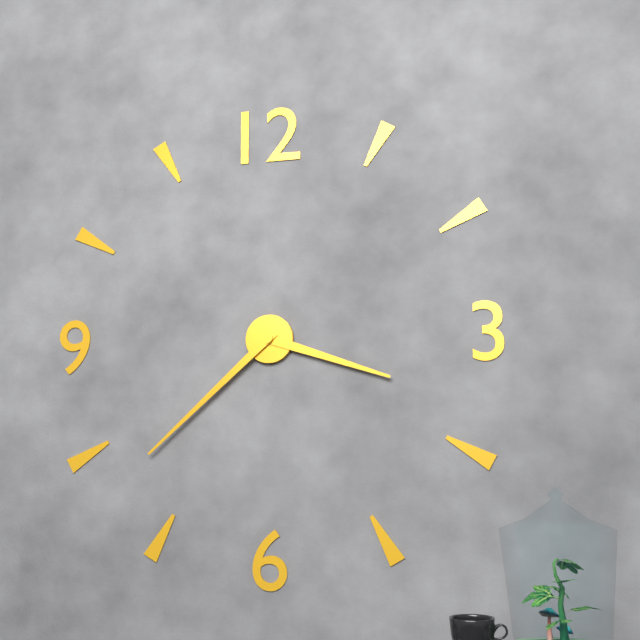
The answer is 3:38
